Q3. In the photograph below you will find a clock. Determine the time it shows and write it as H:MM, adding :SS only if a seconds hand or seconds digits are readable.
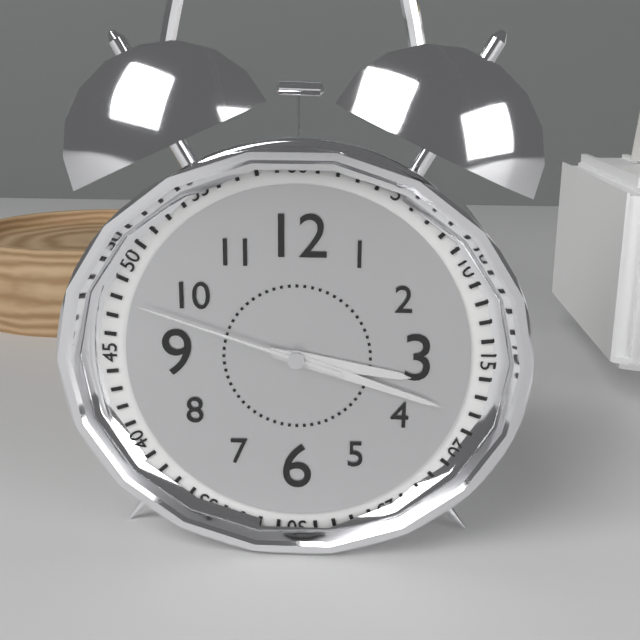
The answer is 3:18:48
